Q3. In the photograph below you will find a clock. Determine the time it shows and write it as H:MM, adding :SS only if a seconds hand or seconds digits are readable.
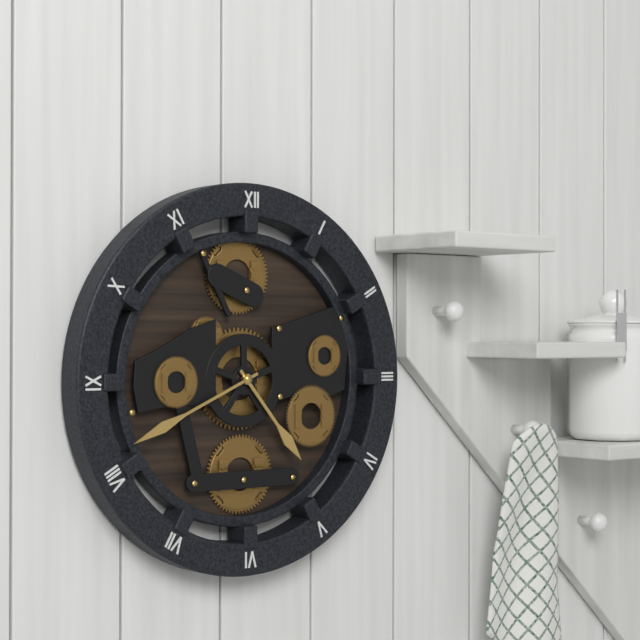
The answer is 4:41
